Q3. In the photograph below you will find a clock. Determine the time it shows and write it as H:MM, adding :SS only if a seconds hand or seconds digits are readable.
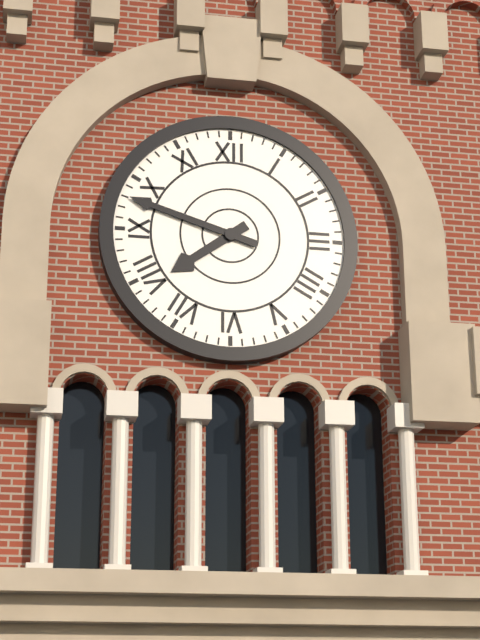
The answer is 7:48
